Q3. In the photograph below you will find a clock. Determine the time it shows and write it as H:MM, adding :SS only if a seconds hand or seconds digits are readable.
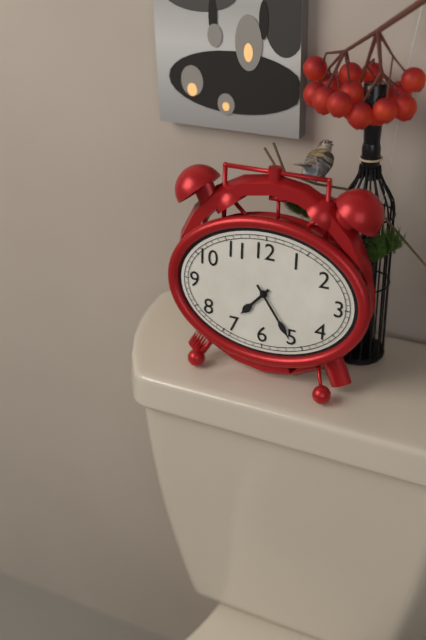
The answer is 7:24
